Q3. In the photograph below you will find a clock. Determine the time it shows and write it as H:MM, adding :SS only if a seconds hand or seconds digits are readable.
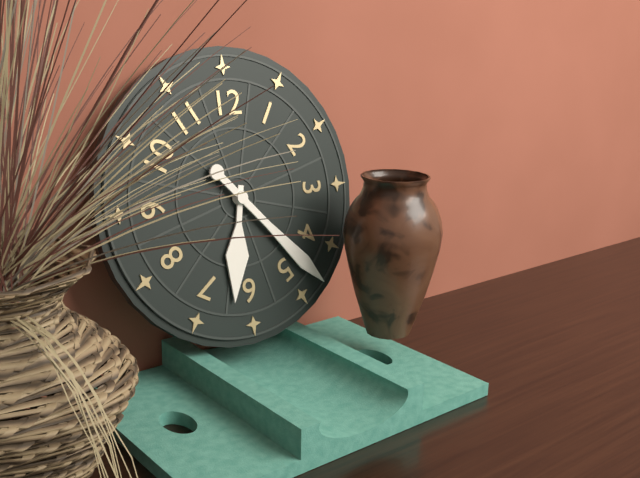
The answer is 6:23
